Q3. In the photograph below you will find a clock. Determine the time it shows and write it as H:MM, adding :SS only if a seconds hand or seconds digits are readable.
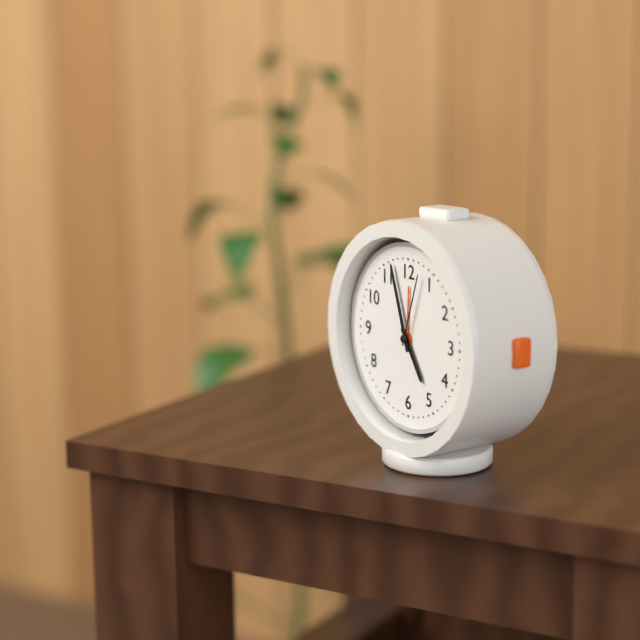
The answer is 4:57:03
